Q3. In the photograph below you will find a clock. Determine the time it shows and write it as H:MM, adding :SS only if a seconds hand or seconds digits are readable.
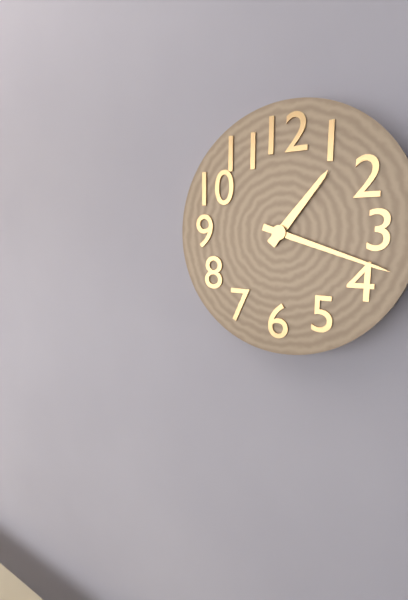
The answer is 1:18
